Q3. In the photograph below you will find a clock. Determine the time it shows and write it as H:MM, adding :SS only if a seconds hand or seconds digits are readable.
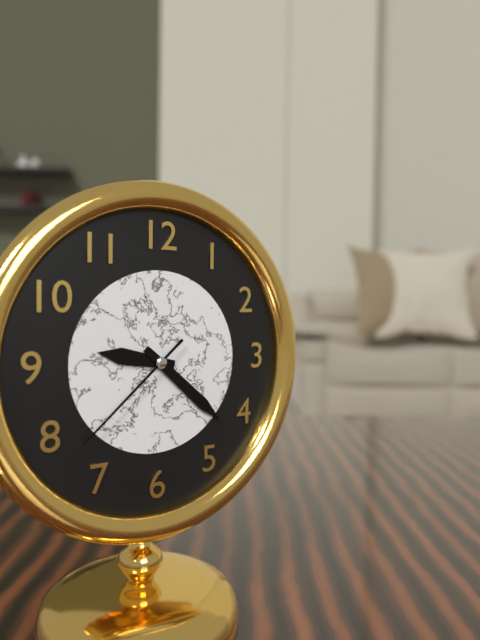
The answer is 9:22:38
